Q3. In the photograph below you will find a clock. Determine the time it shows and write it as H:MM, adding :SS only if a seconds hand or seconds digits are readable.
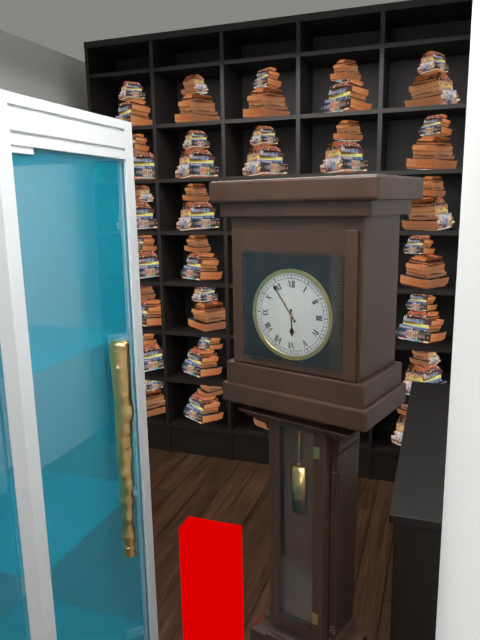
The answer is 5:54
